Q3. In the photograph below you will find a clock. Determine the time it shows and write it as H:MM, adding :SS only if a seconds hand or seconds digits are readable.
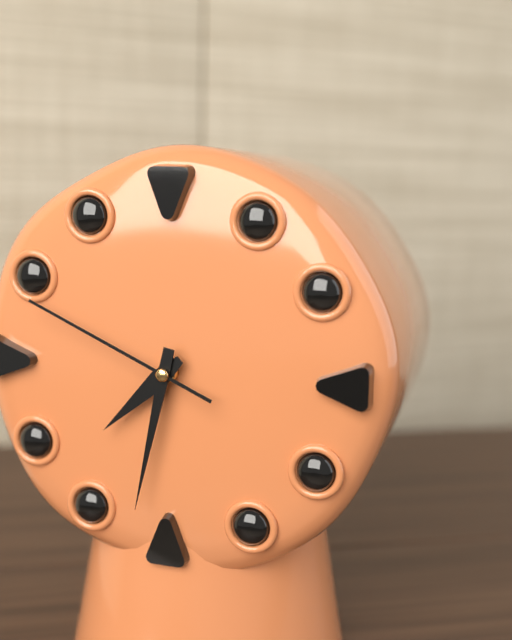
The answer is 7:32:49
